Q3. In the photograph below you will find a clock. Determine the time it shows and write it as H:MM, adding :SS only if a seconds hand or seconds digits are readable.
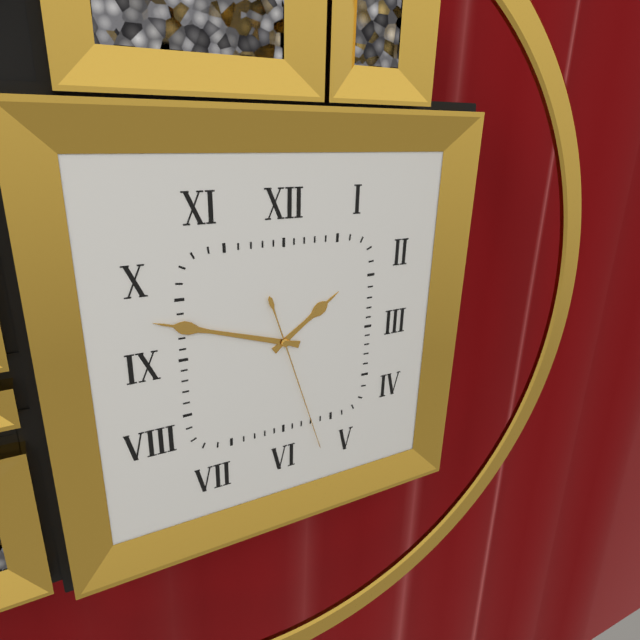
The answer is 1:48:27
